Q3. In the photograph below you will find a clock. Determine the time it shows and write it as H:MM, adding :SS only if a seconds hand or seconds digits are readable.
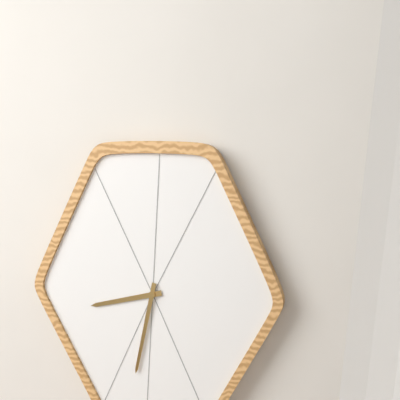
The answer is 8:32
